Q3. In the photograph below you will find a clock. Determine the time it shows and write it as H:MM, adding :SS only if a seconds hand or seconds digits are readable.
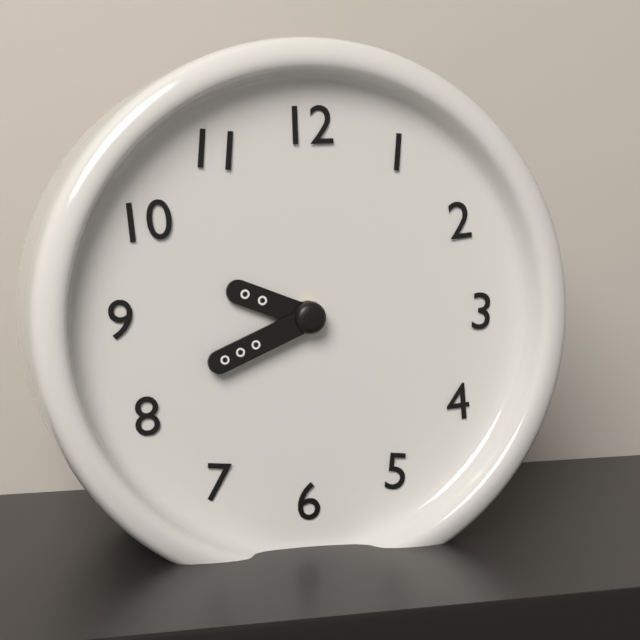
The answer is 9:41
